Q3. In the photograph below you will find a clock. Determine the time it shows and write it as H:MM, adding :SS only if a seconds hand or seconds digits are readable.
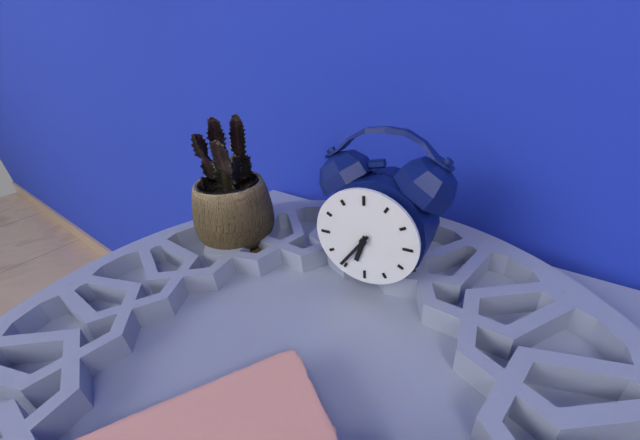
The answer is 6:36
